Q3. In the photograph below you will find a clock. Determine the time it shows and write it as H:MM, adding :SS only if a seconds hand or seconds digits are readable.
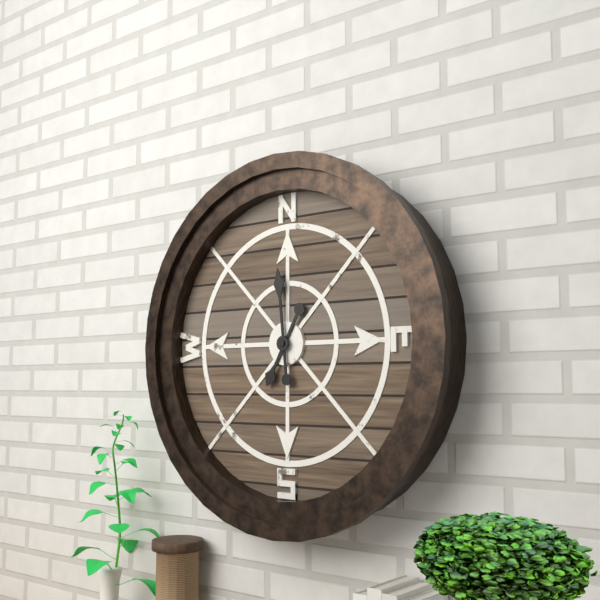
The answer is 6:59
